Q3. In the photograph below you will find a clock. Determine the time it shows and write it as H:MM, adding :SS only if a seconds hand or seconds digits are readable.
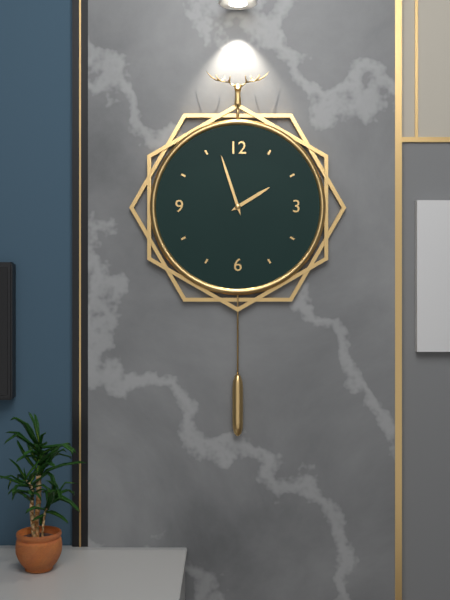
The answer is 1:57
